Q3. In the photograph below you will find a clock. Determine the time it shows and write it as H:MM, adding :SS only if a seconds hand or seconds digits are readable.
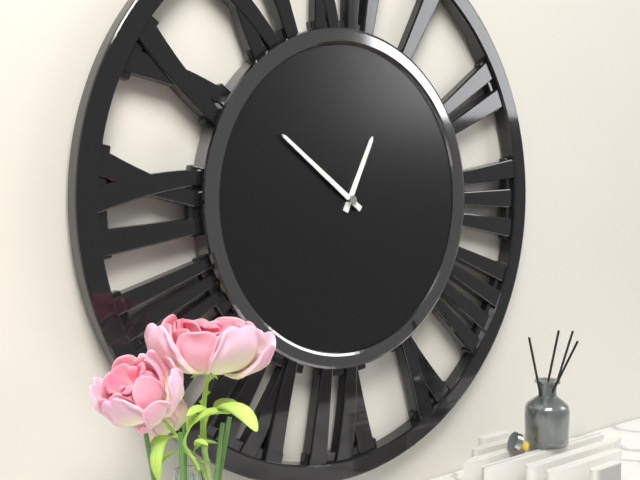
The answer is 12:51
